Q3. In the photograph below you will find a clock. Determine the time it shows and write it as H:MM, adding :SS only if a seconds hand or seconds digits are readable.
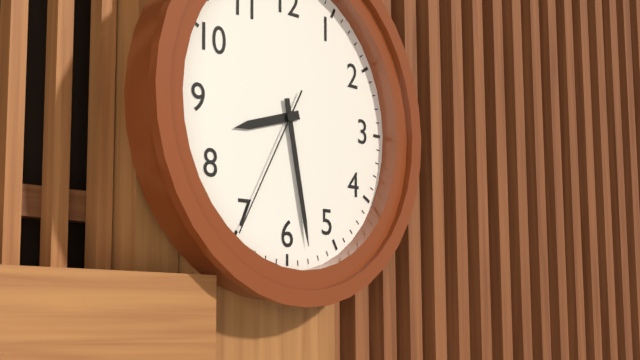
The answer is 8:28:35
